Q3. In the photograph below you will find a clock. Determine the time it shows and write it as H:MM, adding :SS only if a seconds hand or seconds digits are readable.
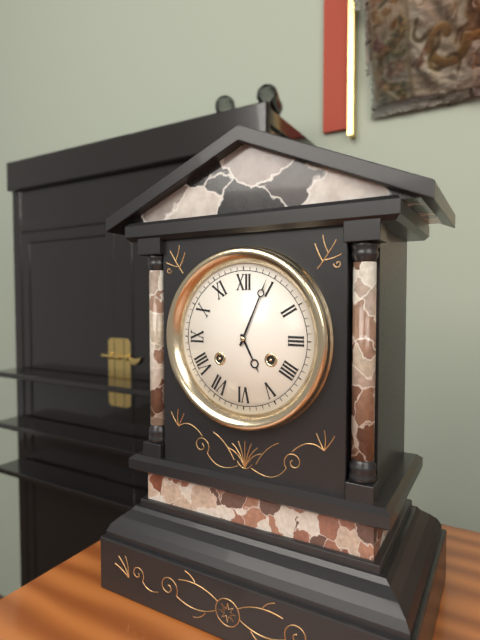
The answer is 5:04
